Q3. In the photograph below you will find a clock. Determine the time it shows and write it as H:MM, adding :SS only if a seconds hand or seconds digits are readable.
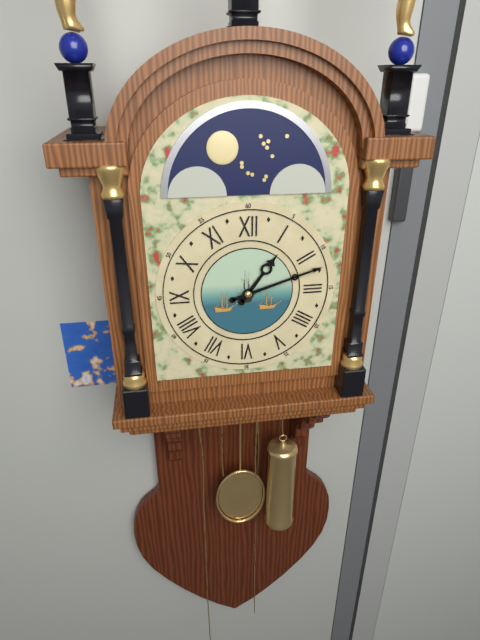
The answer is 1:12
